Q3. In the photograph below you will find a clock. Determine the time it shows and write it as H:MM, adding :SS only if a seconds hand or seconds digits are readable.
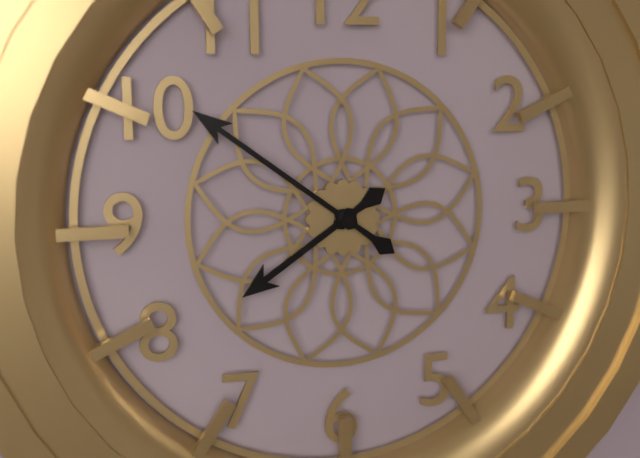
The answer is 7:51
